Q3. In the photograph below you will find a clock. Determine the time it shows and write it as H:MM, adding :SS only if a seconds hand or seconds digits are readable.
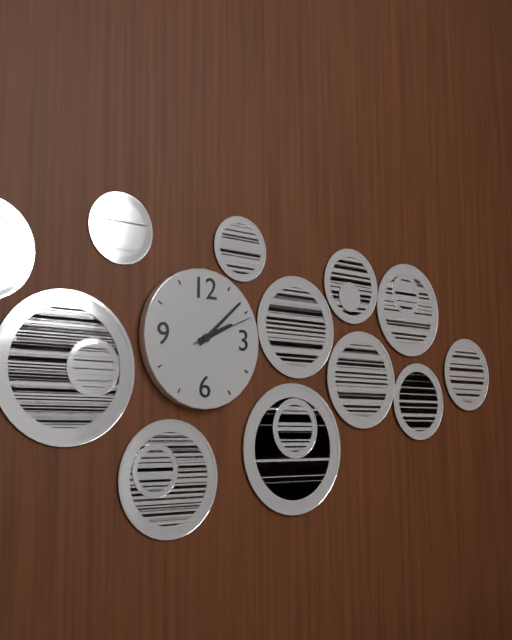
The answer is 2:08:11
